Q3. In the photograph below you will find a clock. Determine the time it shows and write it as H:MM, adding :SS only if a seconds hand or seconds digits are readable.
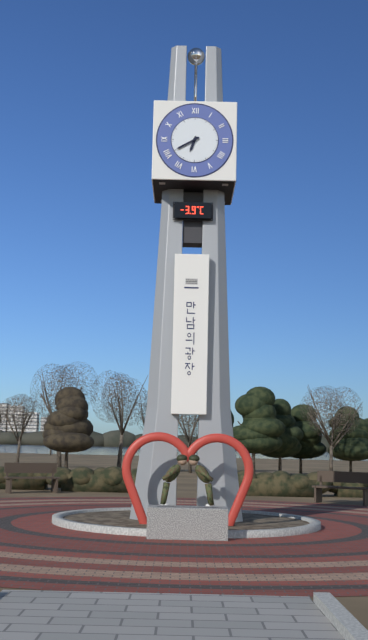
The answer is 6:40
